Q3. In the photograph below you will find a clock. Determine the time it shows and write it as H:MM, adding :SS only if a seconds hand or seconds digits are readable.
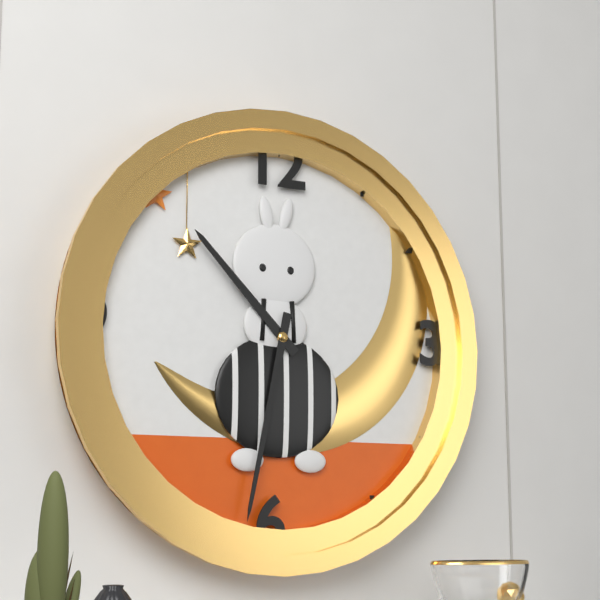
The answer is 10:32
